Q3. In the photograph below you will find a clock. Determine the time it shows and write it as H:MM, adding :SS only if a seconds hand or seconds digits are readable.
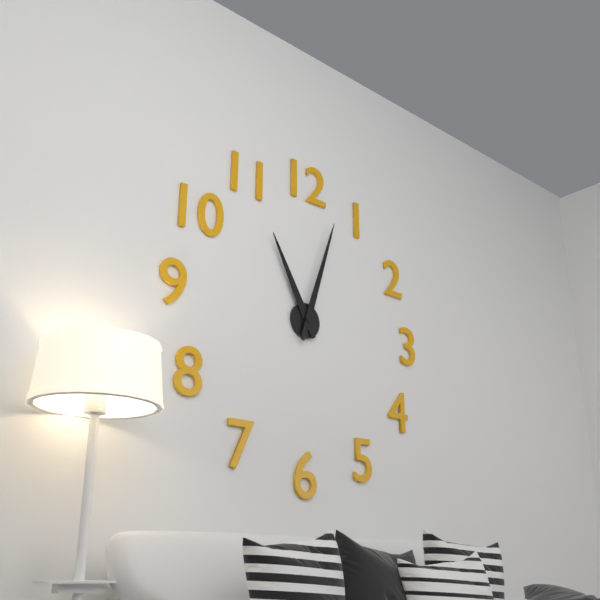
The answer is 11:03
